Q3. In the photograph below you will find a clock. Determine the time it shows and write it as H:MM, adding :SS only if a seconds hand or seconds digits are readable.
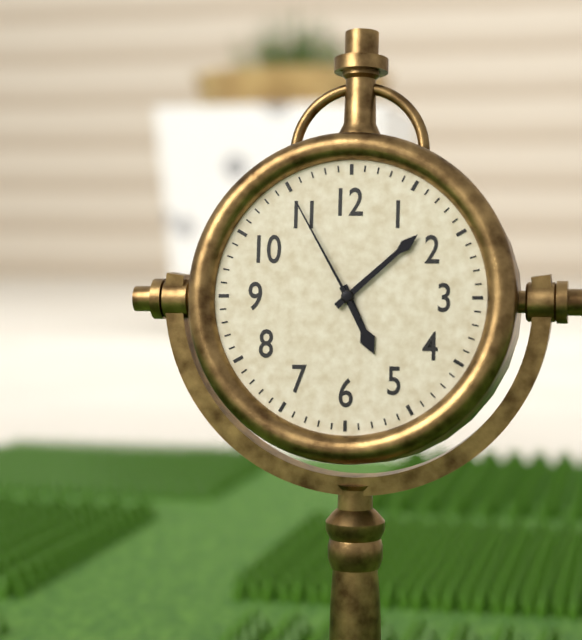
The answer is 5:08:55
